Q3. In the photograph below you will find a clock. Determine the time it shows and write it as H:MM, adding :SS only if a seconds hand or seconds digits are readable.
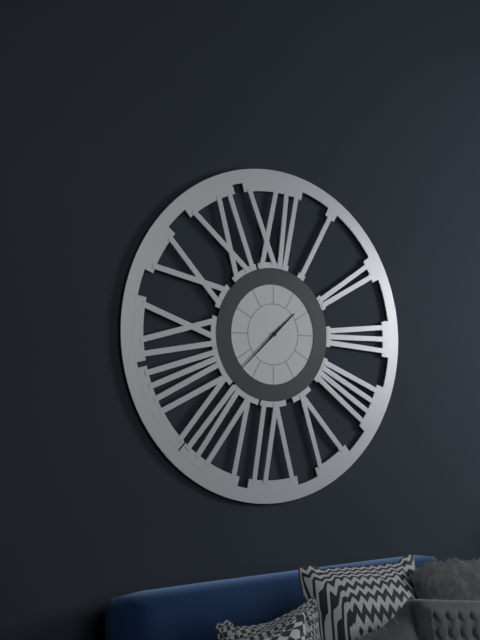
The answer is 1:38
